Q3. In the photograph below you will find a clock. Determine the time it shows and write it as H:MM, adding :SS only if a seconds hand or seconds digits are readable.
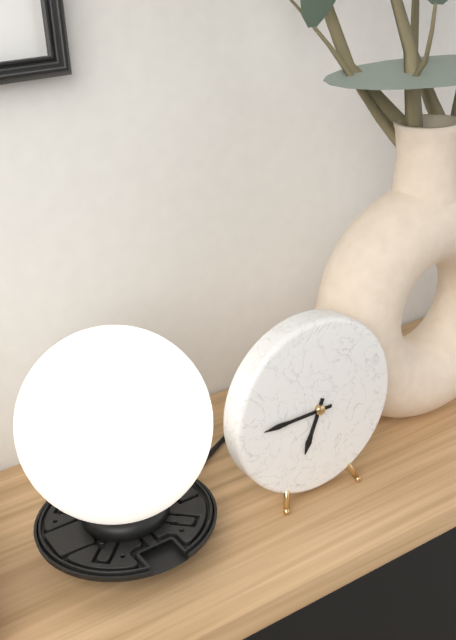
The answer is 6:45
